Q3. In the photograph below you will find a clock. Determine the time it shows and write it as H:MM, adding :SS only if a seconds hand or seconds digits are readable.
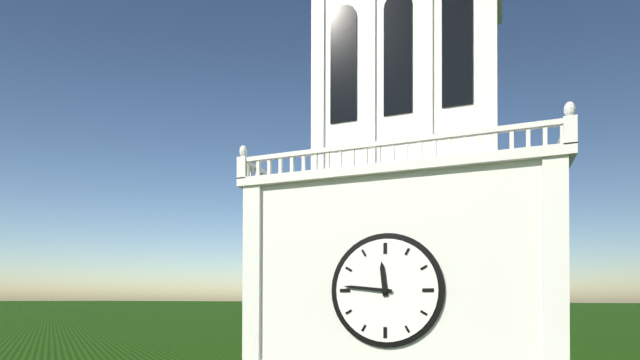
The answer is 11:46
